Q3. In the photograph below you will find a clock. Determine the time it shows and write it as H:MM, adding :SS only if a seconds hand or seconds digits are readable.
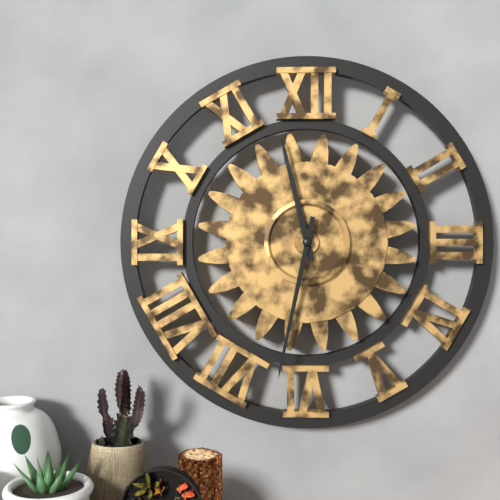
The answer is 11:32
